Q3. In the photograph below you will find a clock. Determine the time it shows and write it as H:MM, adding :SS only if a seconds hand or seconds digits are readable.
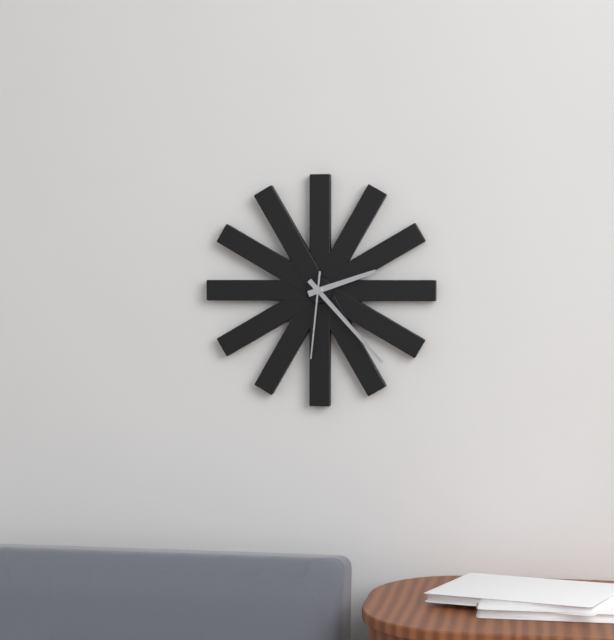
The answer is 2:23:31
